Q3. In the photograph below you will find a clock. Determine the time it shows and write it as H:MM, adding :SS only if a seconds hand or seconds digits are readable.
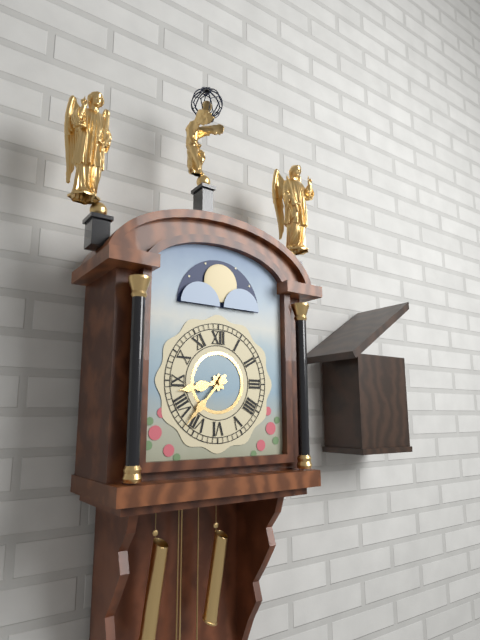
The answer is 8:37
